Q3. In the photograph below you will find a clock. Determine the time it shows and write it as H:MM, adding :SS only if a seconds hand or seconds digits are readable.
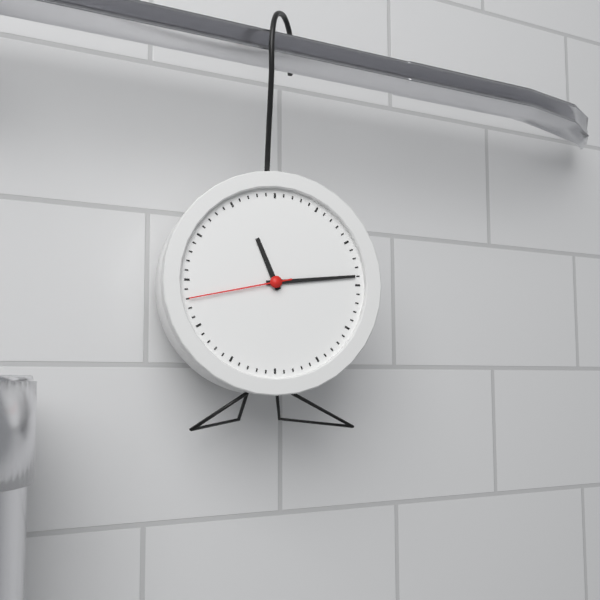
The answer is 11:14:43
